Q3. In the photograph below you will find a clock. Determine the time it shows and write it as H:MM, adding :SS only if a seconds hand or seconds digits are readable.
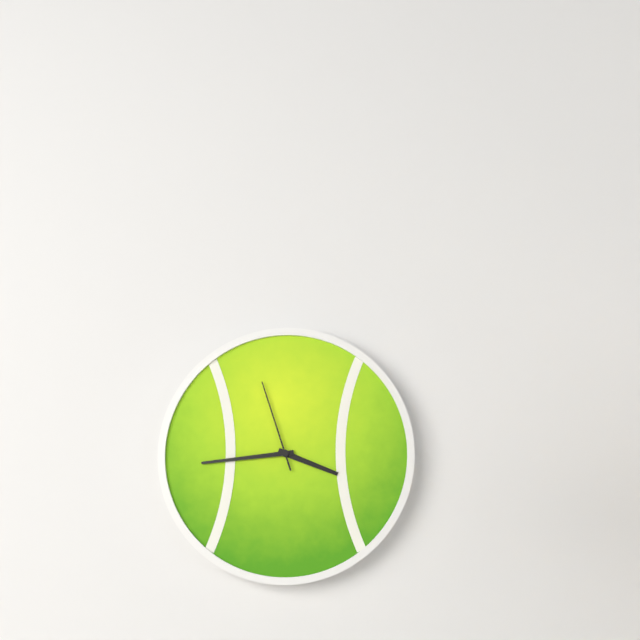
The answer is 3:44:57
